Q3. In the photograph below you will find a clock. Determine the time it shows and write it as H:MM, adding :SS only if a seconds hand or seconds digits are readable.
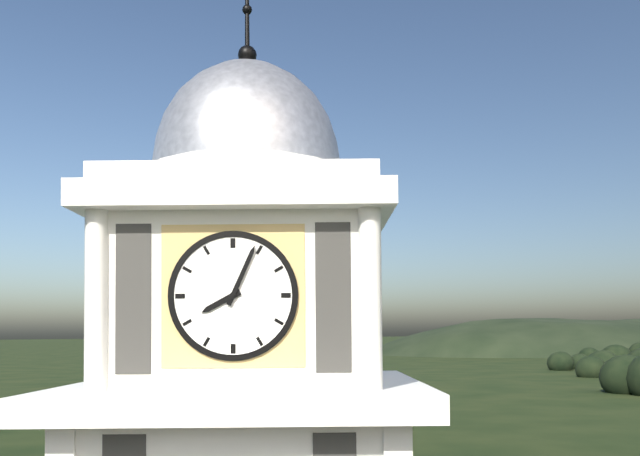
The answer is 8:04
